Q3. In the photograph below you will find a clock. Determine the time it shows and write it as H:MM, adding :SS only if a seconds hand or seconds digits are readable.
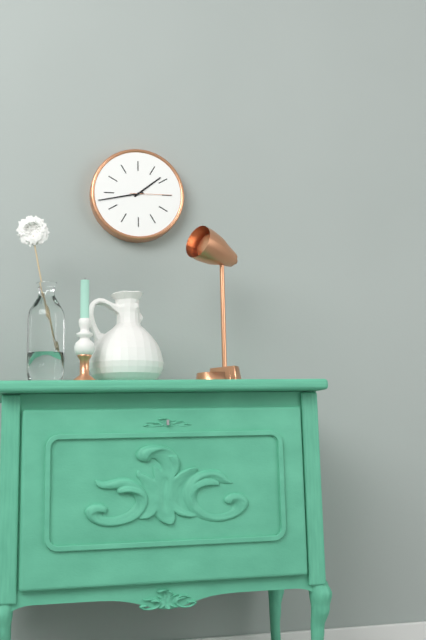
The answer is 1:43
